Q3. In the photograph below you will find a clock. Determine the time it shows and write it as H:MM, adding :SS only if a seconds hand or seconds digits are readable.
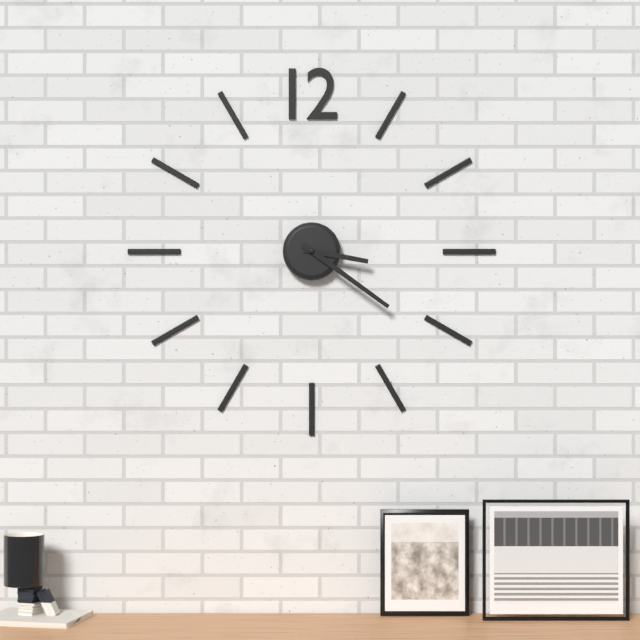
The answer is 3:21
